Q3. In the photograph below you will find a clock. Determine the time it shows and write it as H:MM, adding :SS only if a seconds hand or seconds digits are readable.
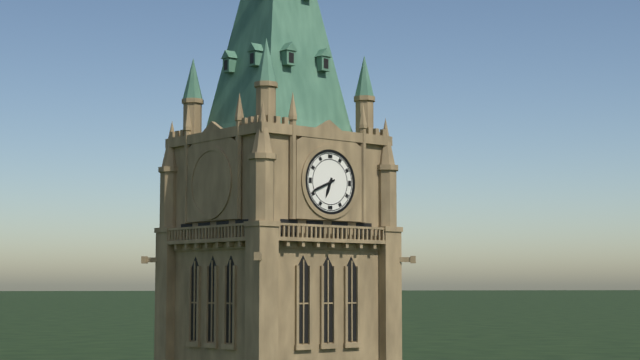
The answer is 6:41
